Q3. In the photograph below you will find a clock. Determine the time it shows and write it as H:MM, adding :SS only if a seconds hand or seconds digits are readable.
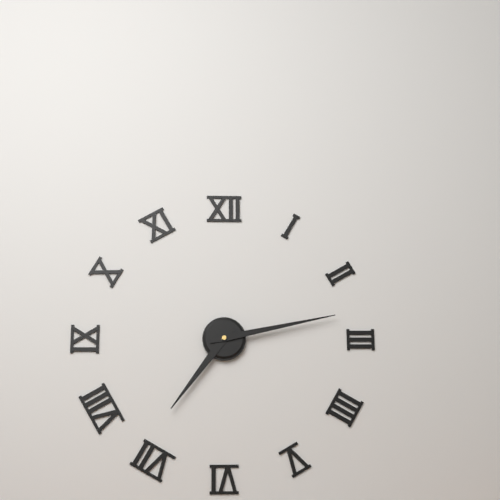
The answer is 7:13
